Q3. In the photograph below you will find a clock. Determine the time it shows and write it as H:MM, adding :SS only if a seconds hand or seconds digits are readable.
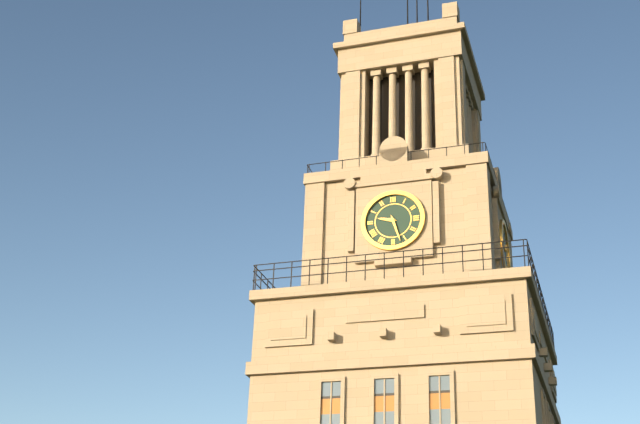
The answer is 9:27
